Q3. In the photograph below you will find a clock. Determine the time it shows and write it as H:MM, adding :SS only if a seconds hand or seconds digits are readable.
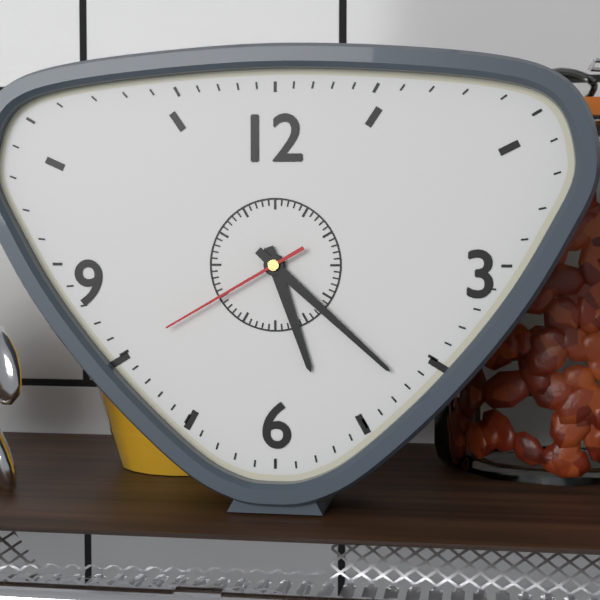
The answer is 5:22:40
